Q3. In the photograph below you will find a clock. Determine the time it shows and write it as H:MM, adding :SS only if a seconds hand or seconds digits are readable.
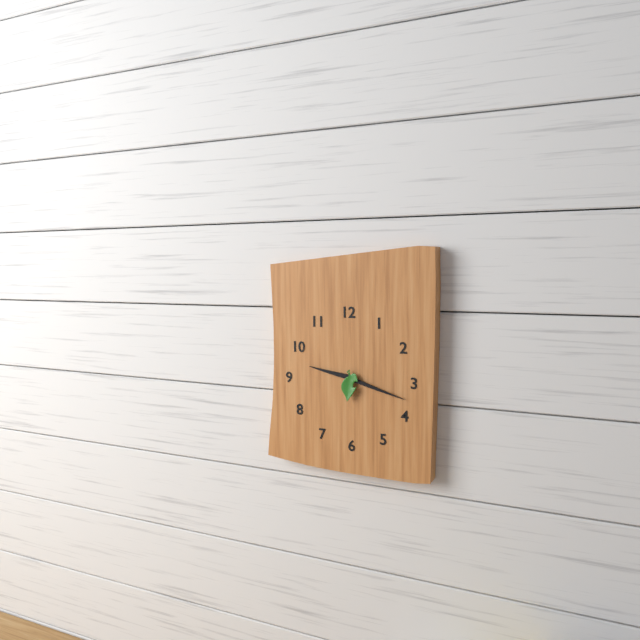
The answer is 9:18
